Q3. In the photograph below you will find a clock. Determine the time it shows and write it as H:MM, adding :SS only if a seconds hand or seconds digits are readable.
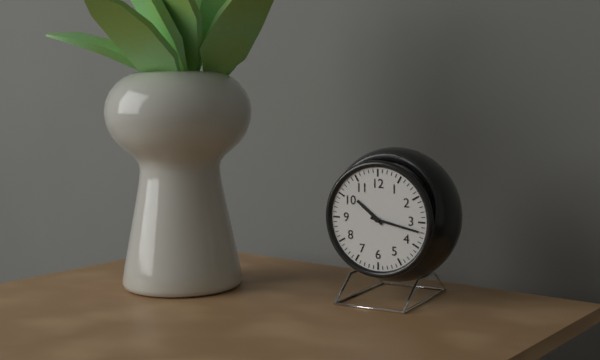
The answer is 10:17
